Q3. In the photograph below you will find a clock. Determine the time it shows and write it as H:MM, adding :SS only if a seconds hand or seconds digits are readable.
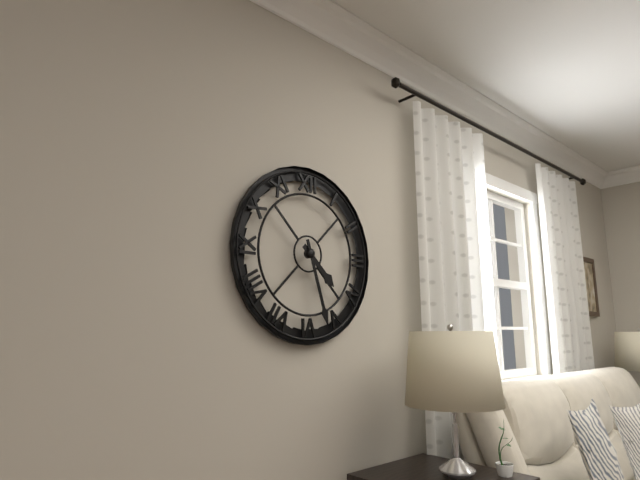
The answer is 4:27
